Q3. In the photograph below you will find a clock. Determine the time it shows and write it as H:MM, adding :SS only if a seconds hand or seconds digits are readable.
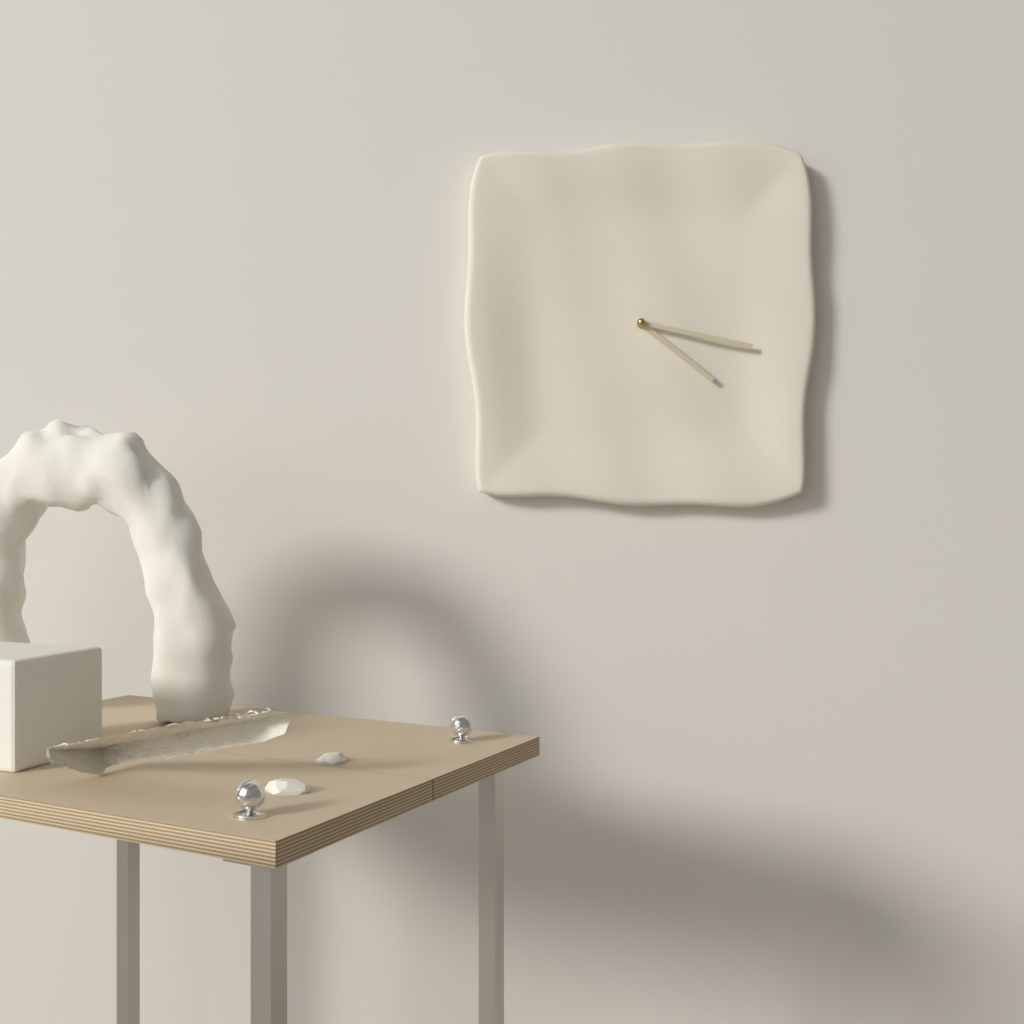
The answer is 4:17
